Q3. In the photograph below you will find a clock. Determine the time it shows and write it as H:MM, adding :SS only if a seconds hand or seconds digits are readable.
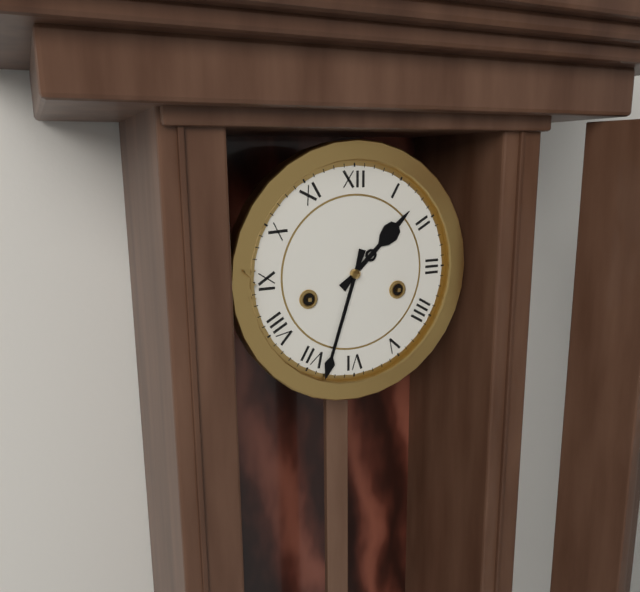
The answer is 1:33
